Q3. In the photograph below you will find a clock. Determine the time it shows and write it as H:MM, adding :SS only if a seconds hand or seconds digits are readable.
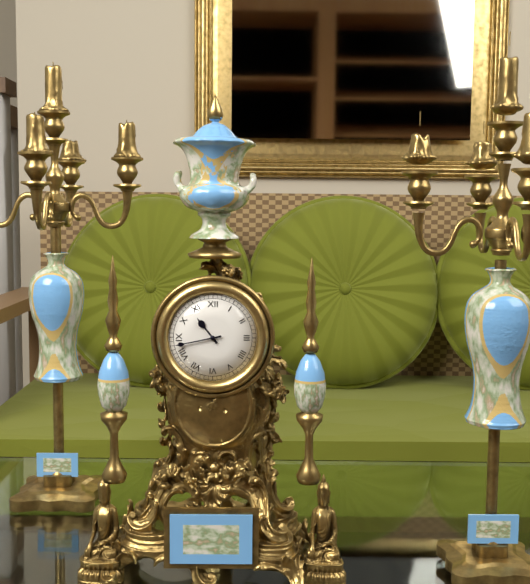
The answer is 10:43
